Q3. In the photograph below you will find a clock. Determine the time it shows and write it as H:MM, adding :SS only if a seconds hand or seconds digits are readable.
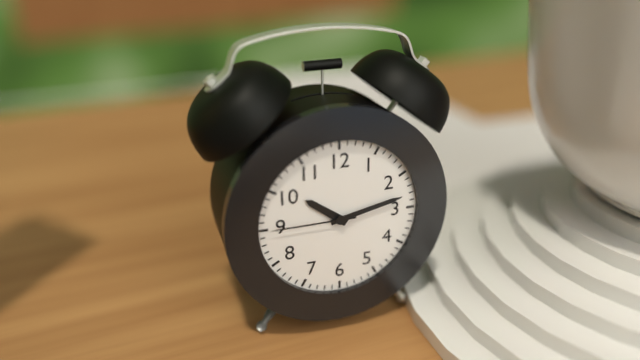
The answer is 10:13:45
